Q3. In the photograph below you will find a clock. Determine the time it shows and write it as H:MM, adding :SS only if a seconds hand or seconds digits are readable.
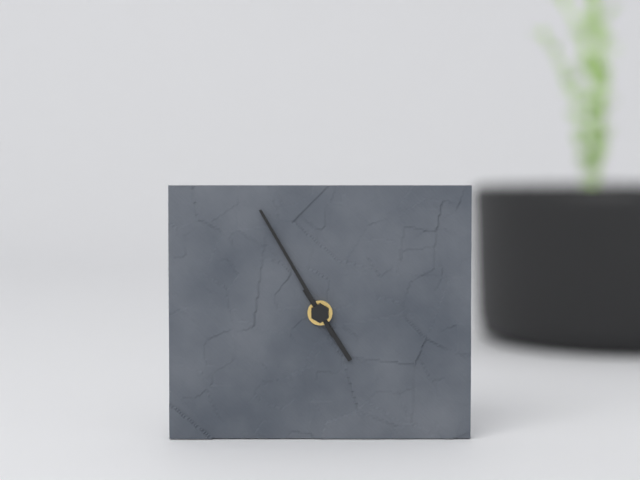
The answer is 4:55
